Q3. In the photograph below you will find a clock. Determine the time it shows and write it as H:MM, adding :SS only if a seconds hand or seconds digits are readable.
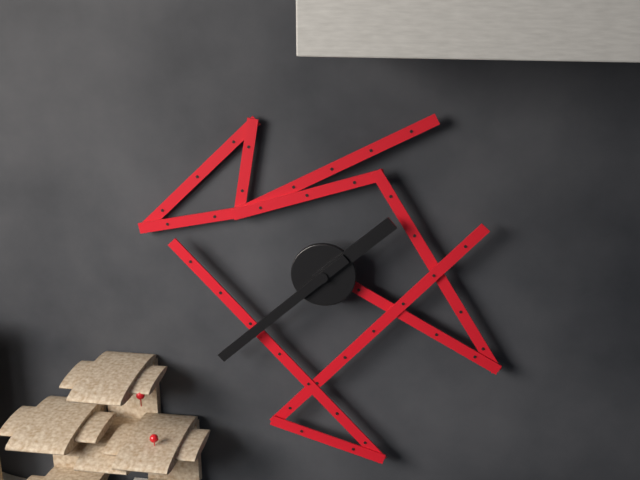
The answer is 1:38
